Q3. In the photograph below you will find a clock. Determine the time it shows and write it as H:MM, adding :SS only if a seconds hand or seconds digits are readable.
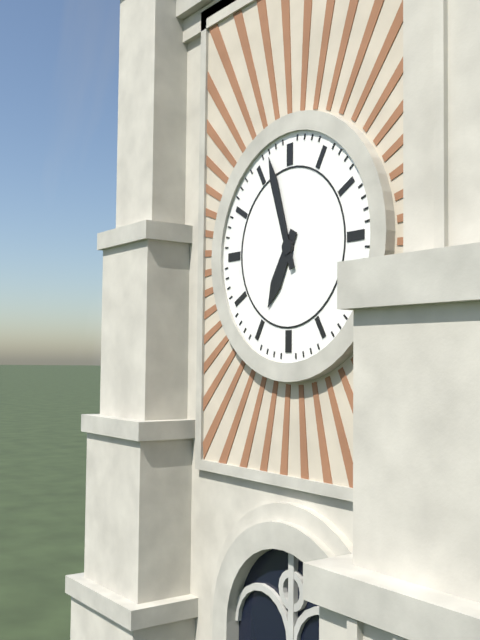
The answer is 6:57
